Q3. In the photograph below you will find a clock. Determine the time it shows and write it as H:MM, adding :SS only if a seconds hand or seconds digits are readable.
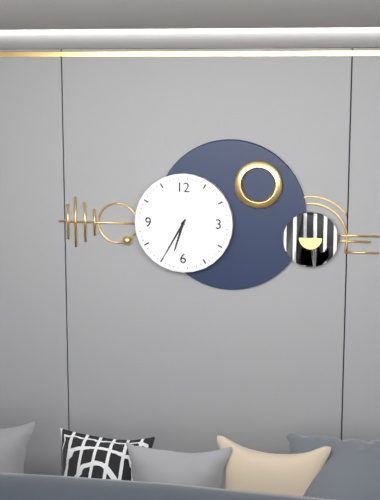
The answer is 6:35
